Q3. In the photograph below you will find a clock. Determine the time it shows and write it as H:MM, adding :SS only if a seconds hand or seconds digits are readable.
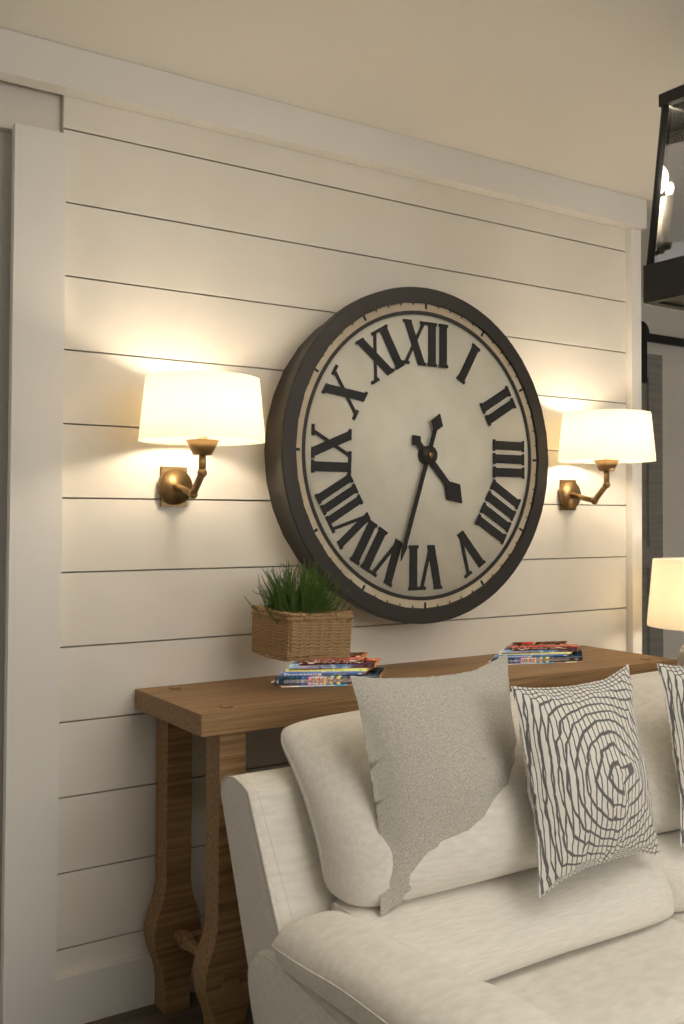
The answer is 4:33
